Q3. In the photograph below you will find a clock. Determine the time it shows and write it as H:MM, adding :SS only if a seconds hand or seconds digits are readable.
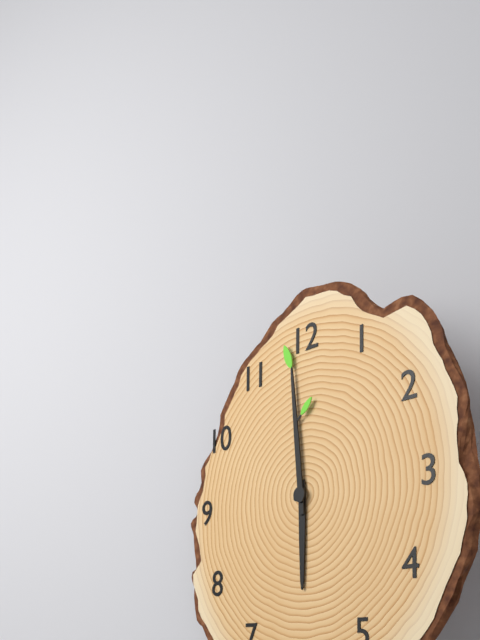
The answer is 5:59
